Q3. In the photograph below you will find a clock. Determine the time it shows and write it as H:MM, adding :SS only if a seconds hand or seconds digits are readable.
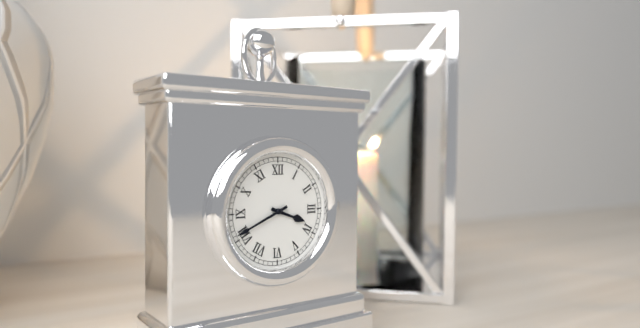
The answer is 3:41
